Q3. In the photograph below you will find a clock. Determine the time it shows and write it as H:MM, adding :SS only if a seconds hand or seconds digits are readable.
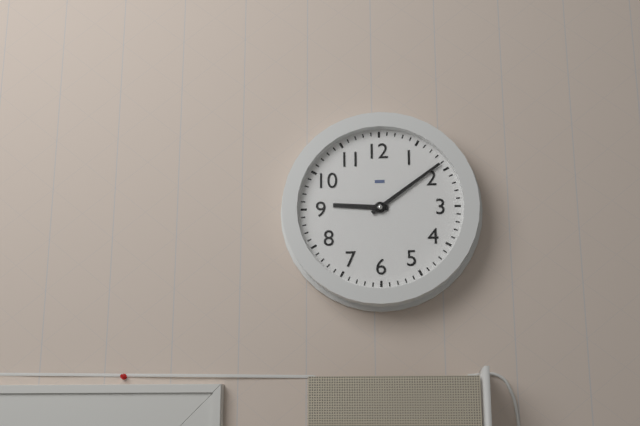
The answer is 9:09
